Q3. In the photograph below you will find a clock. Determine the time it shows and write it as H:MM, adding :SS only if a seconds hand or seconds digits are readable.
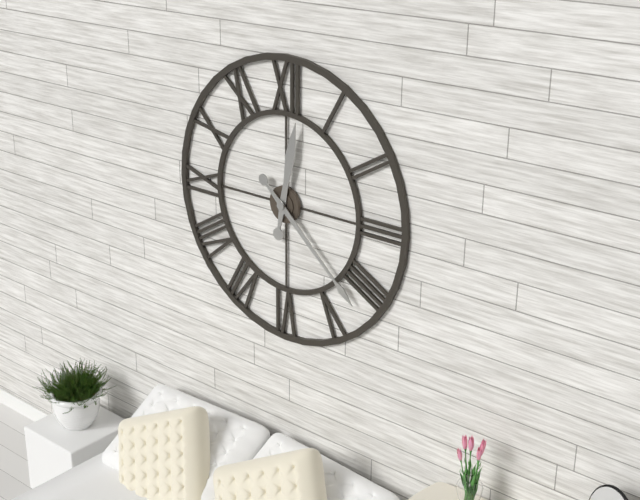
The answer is 12:22
